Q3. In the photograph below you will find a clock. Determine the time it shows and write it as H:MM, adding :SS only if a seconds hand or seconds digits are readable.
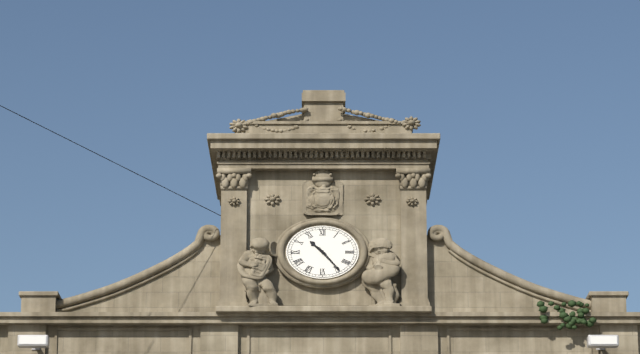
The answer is 10:23
